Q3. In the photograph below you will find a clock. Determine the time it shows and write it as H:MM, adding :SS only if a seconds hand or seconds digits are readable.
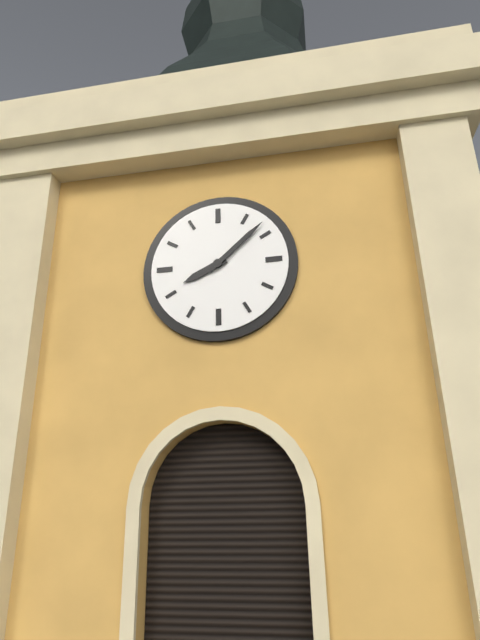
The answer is 8:08
